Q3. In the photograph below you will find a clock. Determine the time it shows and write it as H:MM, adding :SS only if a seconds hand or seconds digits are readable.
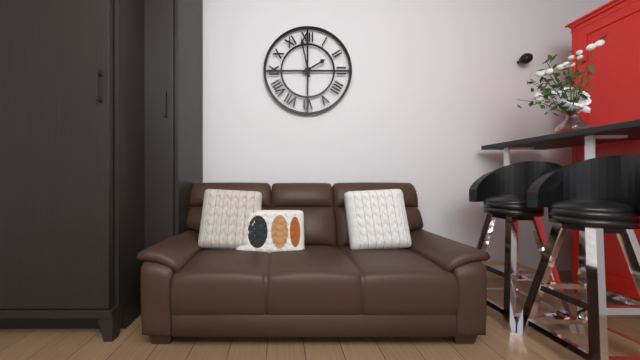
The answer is 1:58
